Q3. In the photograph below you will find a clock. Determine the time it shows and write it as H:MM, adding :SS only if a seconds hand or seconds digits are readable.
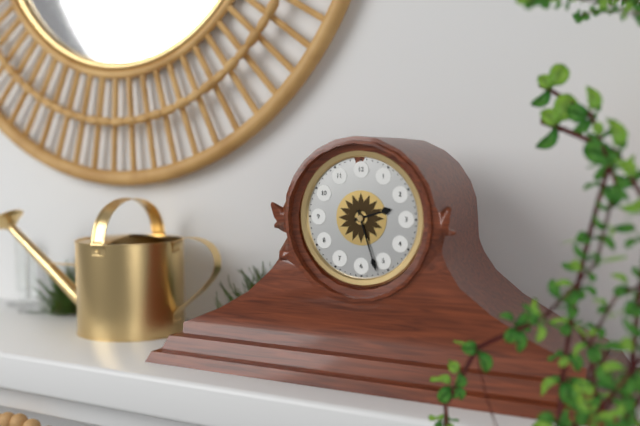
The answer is 2:27
